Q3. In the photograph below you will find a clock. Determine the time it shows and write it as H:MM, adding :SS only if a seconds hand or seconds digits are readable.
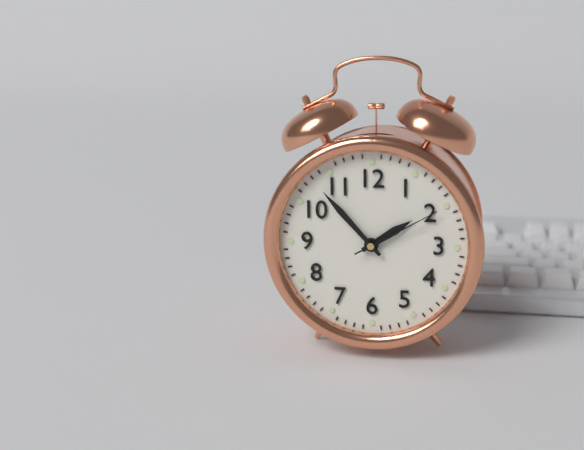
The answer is 1:53:10
